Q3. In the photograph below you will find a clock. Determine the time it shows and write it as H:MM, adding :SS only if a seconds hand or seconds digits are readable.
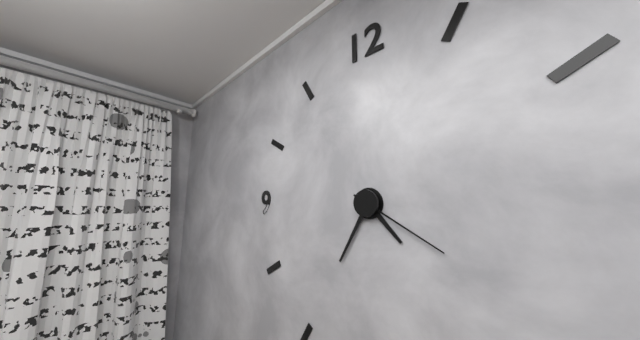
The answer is 4:35:20
